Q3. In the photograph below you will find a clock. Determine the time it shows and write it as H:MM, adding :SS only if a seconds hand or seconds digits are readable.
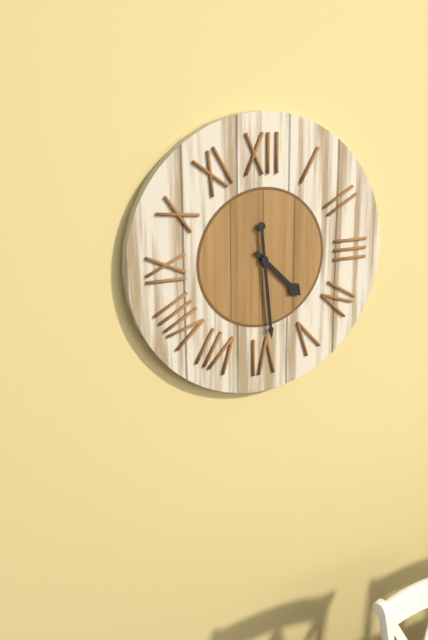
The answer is 4:29
